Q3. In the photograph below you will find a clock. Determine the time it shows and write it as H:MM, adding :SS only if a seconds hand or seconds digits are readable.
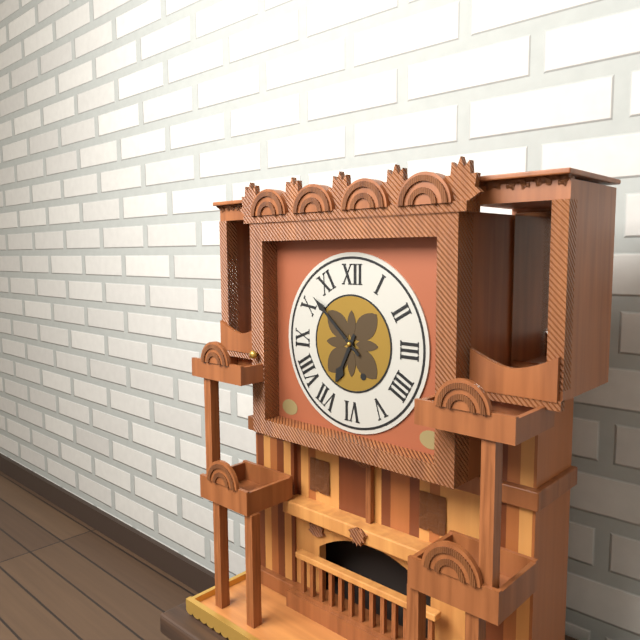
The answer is 6:52
